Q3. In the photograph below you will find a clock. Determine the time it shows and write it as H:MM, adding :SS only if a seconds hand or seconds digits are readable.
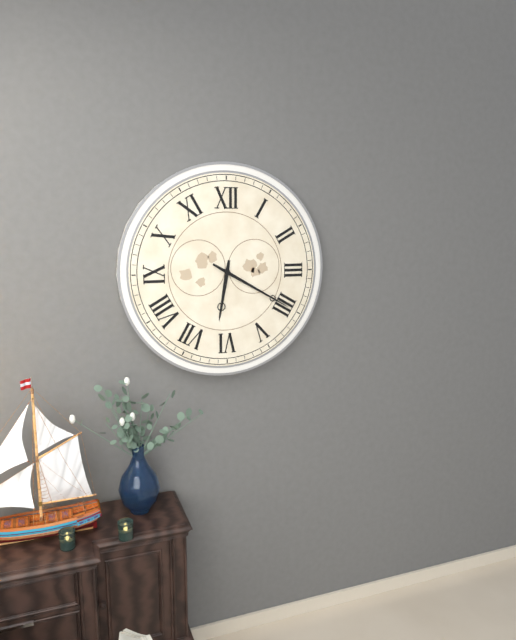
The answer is 6:20
